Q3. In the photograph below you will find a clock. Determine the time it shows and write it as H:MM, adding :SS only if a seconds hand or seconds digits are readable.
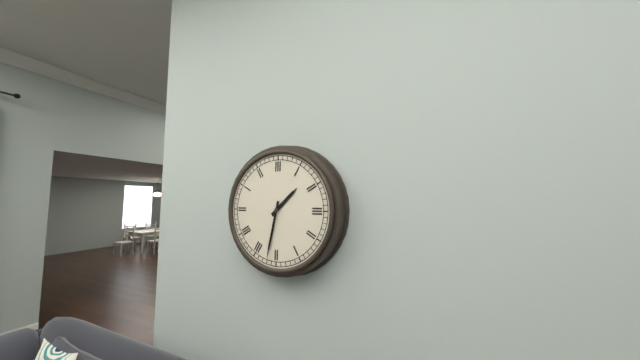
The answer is 1:32
